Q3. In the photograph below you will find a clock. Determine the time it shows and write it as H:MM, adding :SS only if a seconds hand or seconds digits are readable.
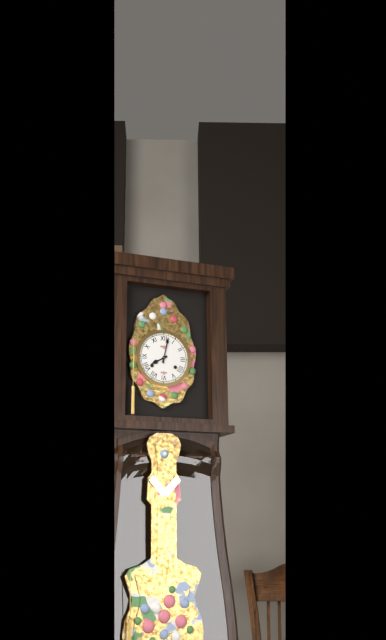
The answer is 8:02
